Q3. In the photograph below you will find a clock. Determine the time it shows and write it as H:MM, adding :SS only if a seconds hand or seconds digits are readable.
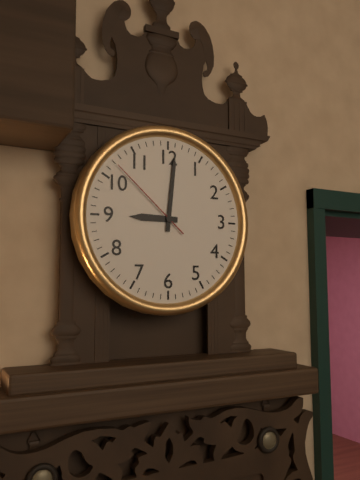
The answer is 9:01:52
